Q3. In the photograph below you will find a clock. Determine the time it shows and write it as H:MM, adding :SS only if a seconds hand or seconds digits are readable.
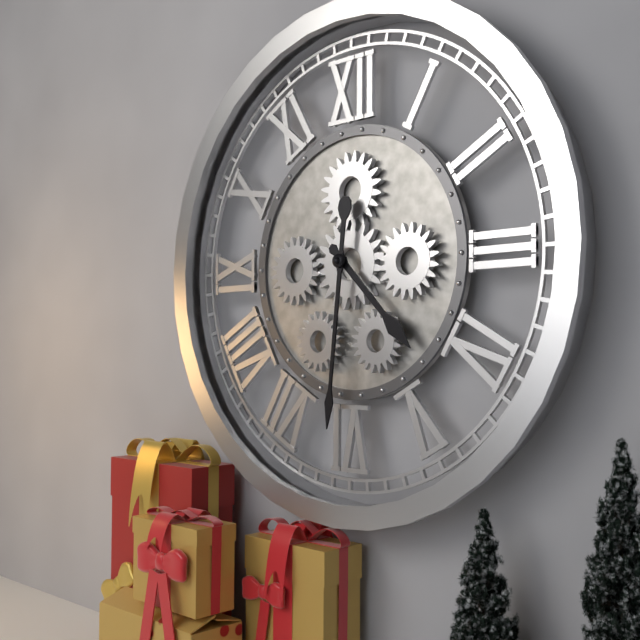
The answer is 4:31
